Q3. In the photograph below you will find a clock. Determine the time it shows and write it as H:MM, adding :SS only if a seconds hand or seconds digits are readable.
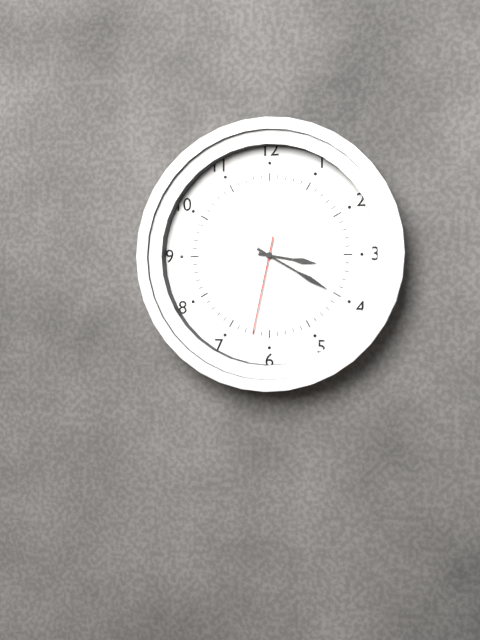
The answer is 3:20:32
